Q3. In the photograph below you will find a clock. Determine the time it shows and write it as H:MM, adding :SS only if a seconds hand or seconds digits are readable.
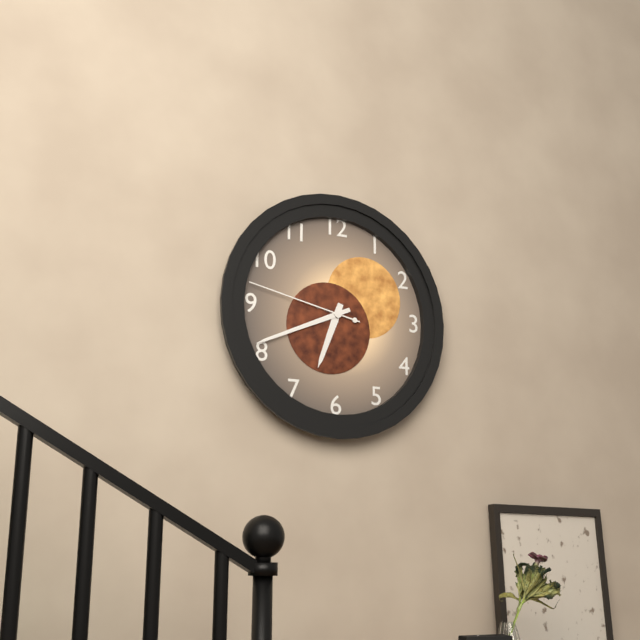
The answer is 6:41:47
